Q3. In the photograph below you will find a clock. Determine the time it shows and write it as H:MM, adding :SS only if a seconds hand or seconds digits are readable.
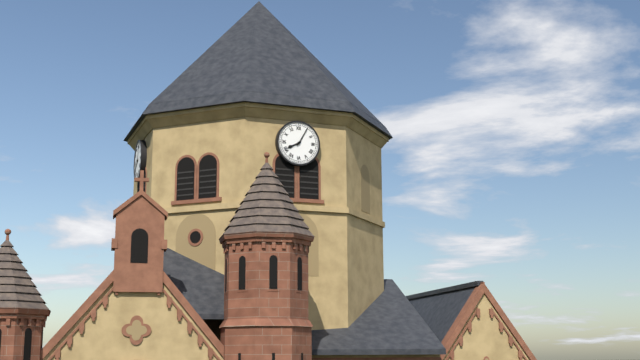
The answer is 8:05
